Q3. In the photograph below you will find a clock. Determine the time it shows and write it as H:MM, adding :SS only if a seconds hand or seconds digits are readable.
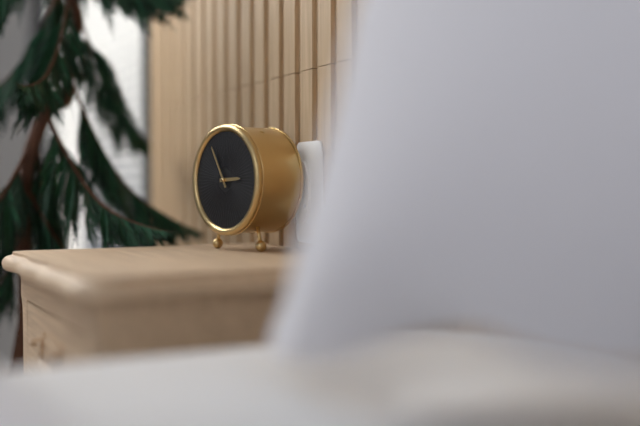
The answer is 2:55
